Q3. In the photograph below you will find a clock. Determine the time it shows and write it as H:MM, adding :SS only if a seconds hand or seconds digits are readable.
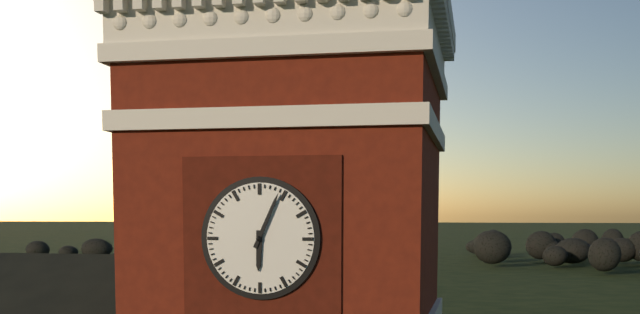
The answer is 6:04
